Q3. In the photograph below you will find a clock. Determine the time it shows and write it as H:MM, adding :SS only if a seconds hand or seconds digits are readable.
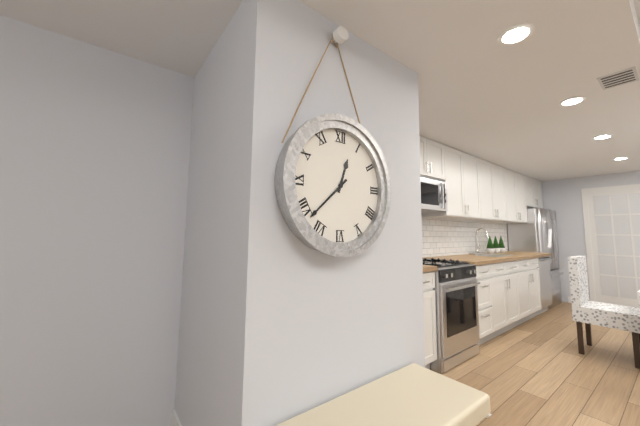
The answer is 12:38
